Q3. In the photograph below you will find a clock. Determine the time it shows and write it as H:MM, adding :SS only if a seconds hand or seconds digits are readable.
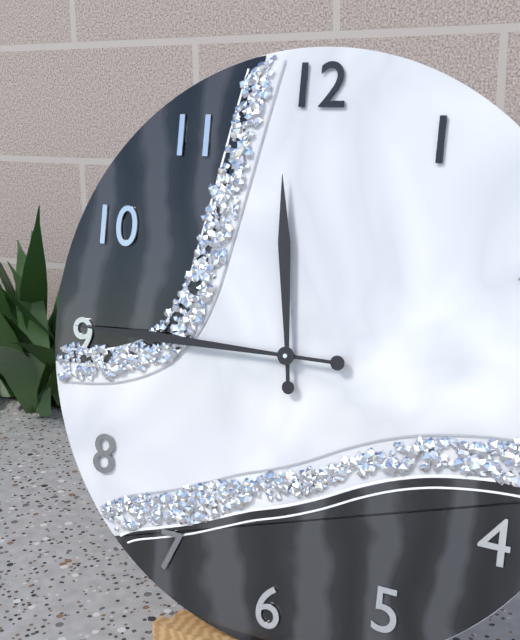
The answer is 11:45
